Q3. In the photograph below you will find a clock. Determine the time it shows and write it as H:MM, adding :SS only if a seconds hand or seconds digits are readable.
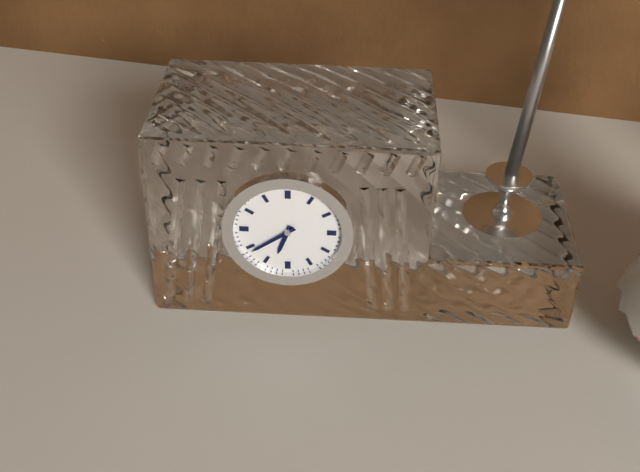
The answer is 6:39
